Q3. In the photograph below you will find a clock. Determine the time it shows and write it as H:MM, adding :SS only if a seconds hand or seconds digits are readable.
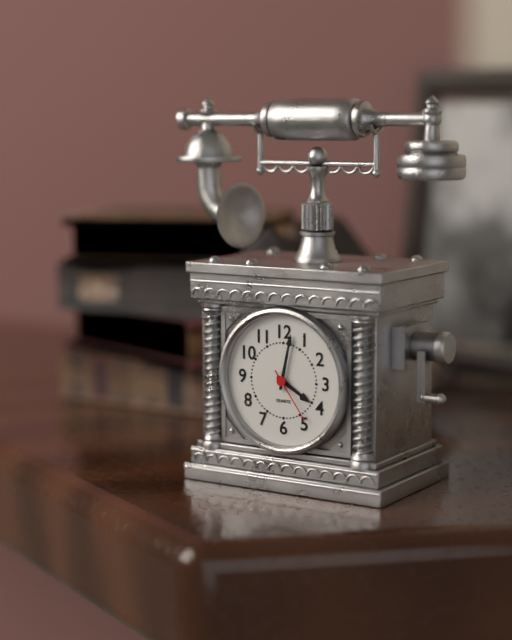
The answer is 4:02:24
